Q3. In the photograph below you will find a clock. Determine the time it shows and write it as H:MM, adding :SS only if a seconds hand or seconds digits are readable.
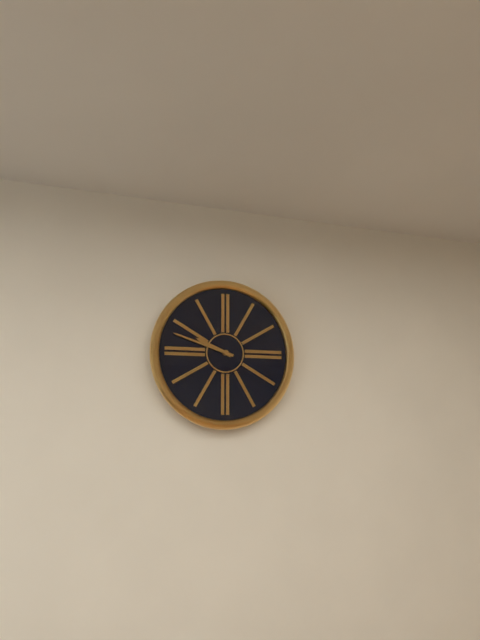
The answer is 9:48
